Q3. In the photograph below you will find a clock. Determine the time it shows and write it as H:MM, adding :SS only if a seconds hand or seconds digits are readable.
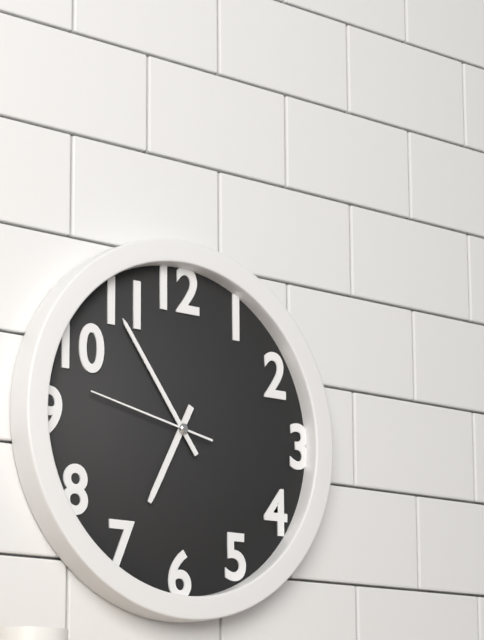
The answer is 6:54:47
